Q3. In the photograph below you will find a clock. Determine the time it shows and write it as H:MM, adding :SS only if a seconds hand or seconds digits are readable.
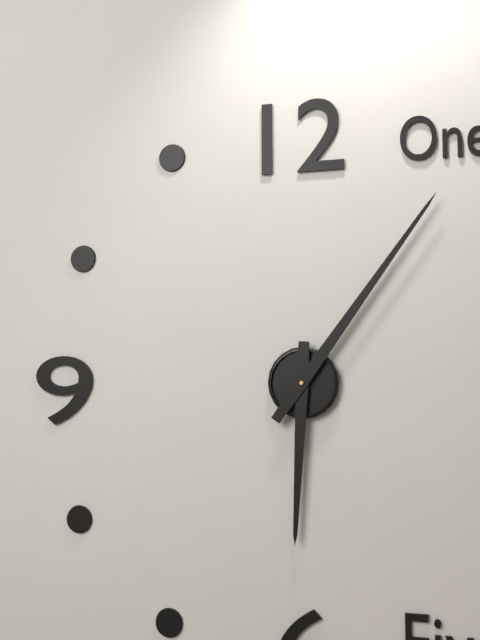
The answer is 6:06
